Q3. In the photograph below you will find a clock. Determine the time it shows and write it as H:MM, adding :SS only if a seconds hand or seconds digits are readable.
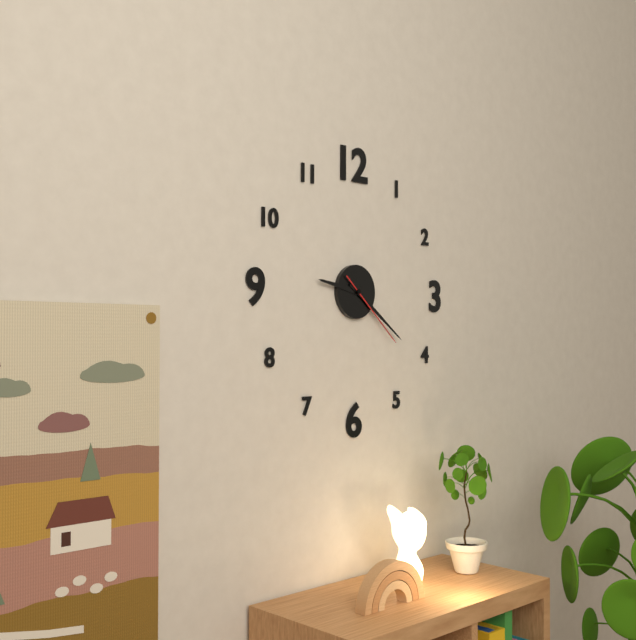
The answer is 9:21:22
